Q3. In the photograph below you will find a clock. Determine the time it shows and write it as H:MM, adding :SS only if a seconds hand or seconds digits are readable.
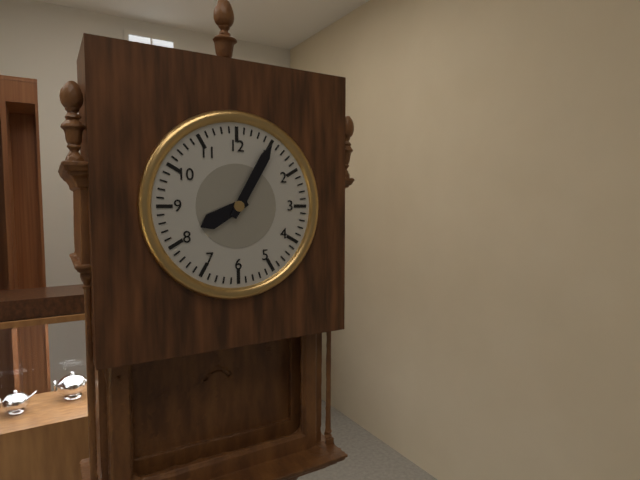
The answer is 8:05
